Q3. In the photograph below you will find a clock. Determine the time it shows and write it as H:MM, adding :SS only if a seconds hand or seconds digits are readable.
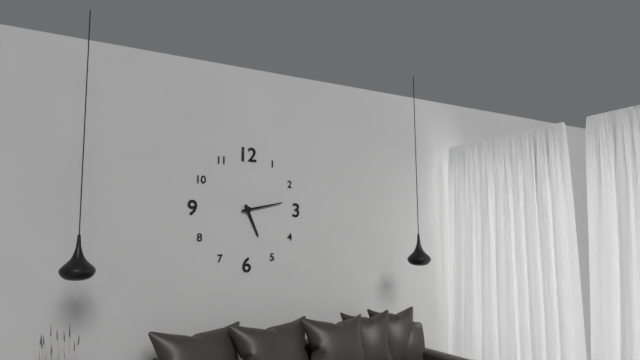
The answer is 5:13
